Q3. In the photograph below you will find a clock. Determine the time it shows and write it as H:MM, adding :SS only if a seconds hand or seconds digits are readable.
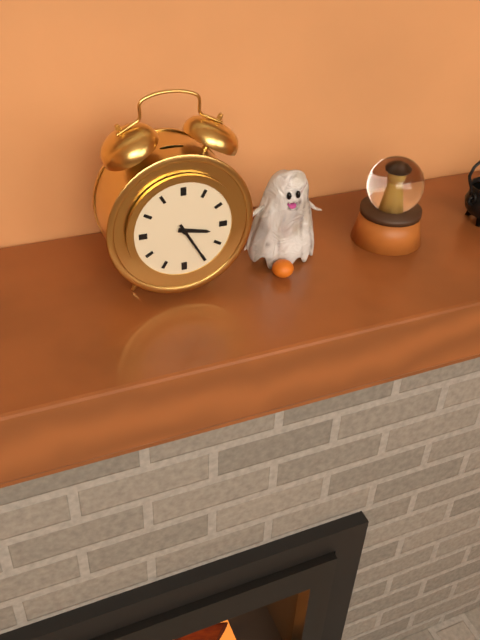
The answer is 3:25
